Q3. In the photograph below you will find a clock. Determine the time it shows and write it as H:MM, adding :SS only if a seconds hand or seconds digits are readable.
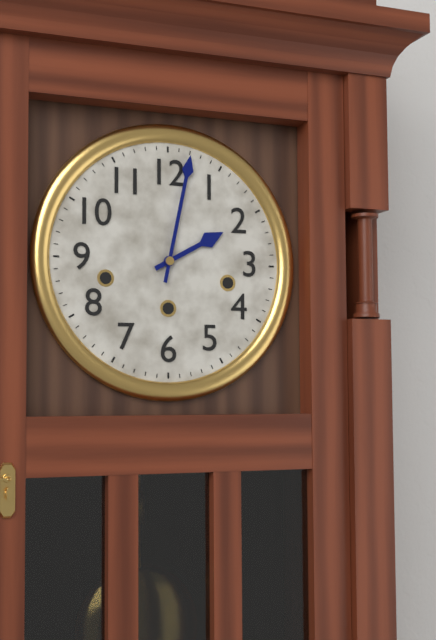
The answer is 2:02
